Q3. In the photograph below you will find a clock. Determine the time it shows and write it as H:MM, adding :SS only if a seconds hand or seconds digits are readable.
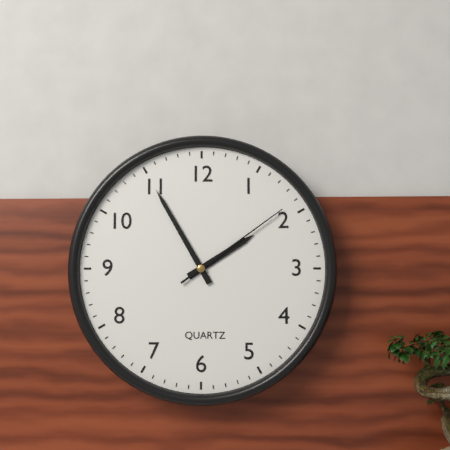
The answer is 1:55:09
